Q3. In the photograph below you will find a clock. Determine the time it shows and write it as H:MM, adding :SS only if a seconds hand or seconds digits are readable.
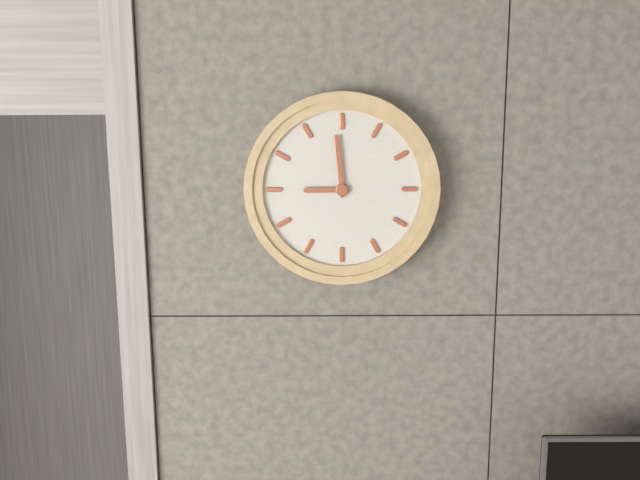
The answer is 8:59
